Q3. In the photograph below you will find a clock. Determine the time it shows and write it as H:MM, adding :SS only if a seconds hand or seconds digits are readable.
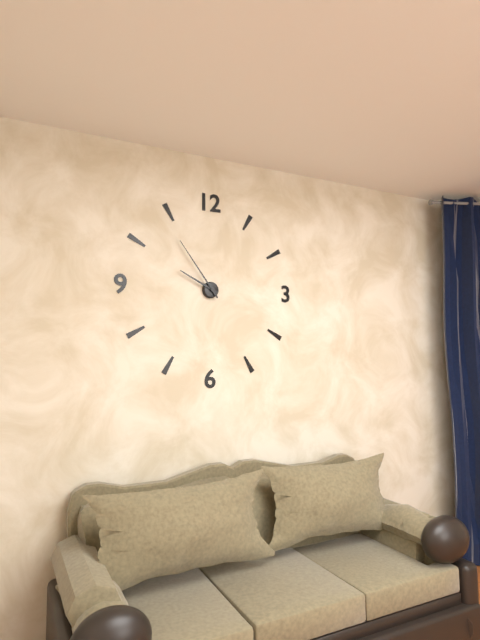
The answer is 9:54
